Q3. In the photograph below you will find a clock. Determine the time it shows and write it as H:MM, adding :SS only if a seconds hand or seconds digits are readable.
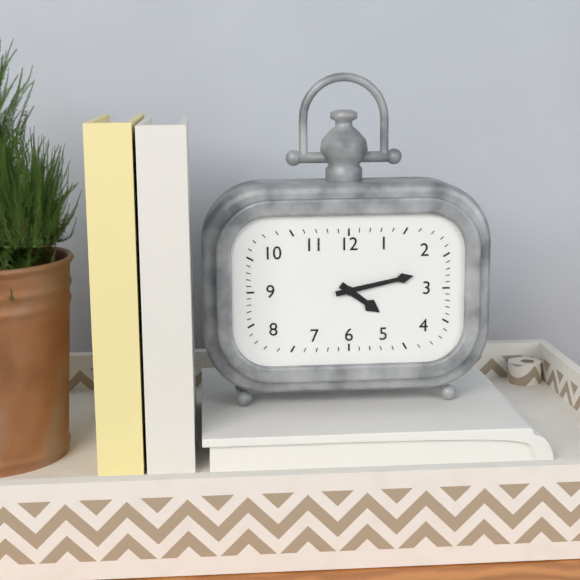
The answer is 4:13
